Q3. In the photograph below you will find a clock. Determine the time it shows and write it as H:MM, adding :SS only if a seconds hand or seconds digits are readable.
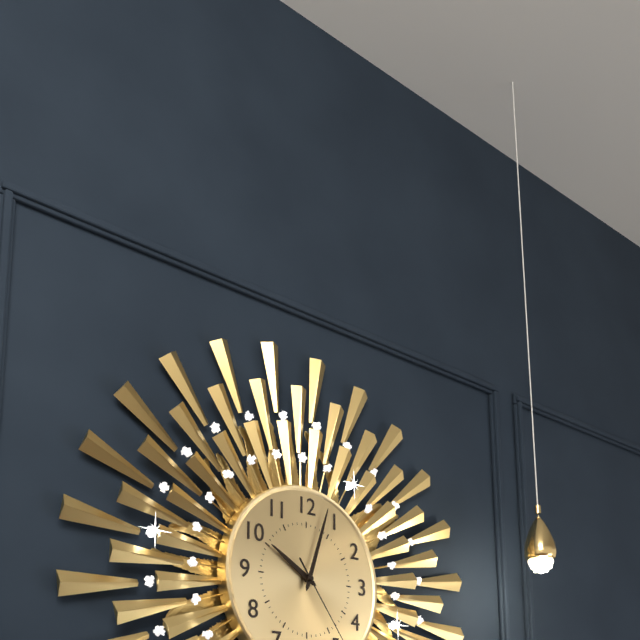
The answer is 10:03
